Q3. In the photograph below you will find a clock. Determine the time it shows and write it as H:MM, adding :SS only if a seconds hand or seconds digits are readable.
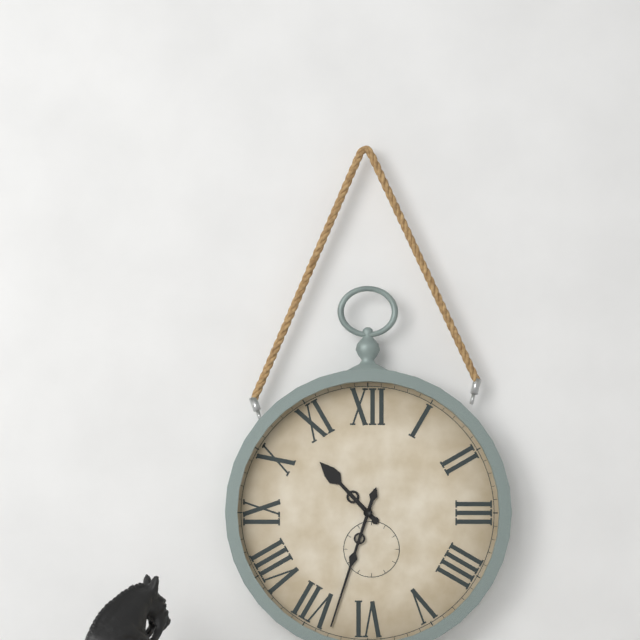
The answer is 10:33
